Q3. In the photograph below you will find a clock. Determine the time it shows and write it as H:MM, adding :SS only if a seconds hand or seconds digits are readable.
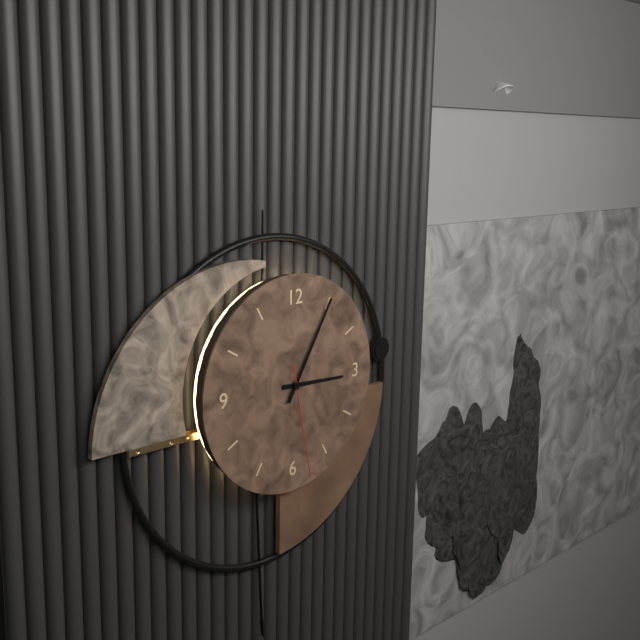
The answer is 3:05:28
